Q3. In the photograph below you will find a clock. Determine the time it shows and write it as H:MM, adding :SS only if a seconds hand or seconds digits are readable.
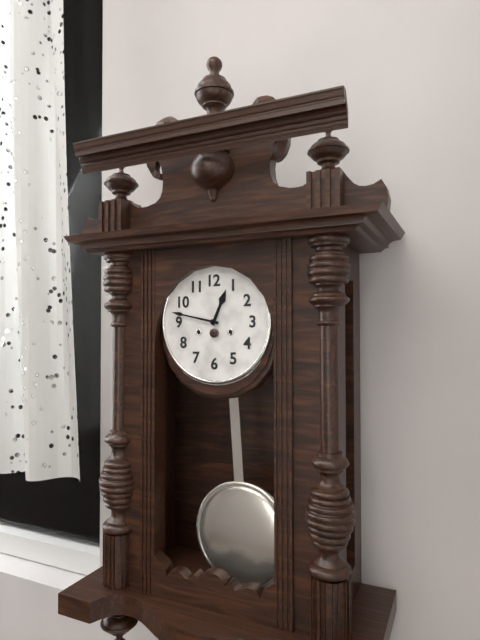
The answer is 12:47
